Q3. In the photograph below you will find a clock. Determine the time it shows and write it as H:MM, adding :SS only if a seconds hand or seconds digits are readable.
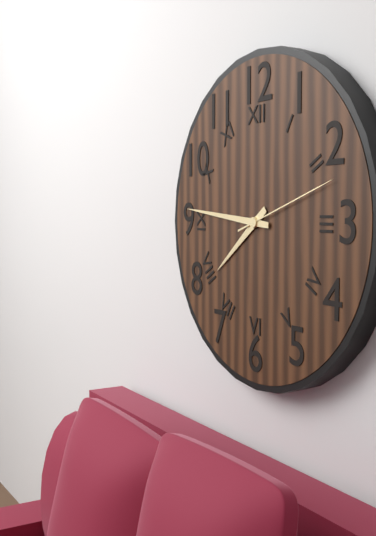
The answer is 7:46:12
